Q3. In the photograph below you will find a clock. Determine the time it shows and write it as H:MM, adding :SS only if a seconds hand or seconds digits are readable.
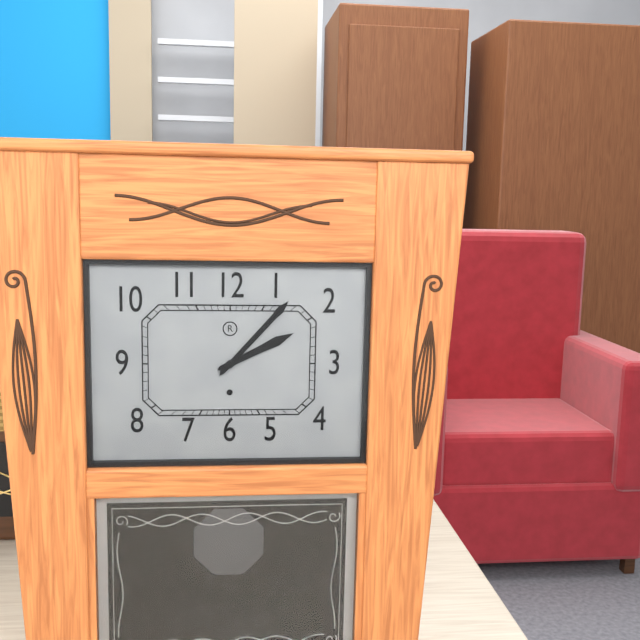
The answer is 2:07
